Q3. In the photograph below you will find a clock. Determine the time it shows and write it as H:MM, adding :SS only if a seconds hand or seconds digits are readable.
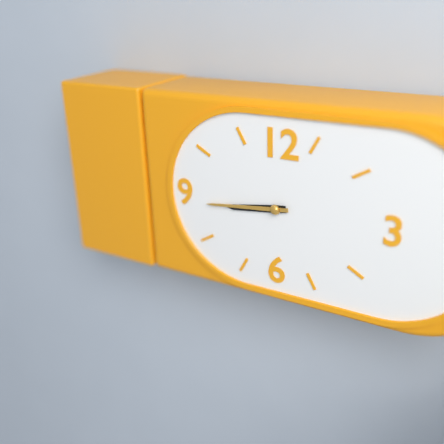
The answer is 8:44
